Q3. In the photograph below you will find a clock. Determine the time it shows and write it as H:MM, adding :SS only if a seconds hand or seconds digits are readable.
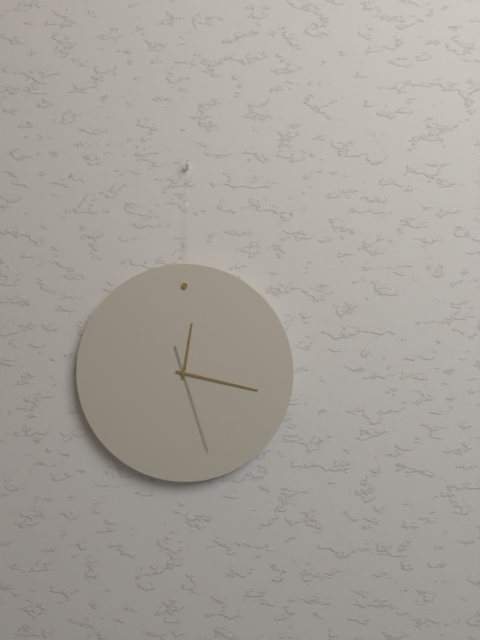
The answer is 12:17:27
